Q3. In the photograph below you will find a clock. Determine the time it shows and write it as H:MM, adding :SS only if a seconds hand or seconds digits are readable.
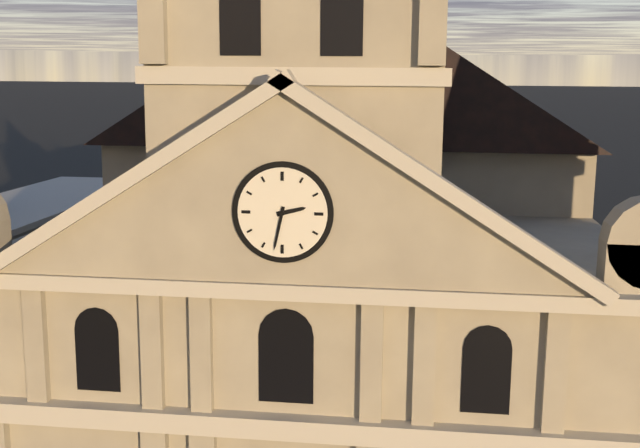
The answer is 2:32
